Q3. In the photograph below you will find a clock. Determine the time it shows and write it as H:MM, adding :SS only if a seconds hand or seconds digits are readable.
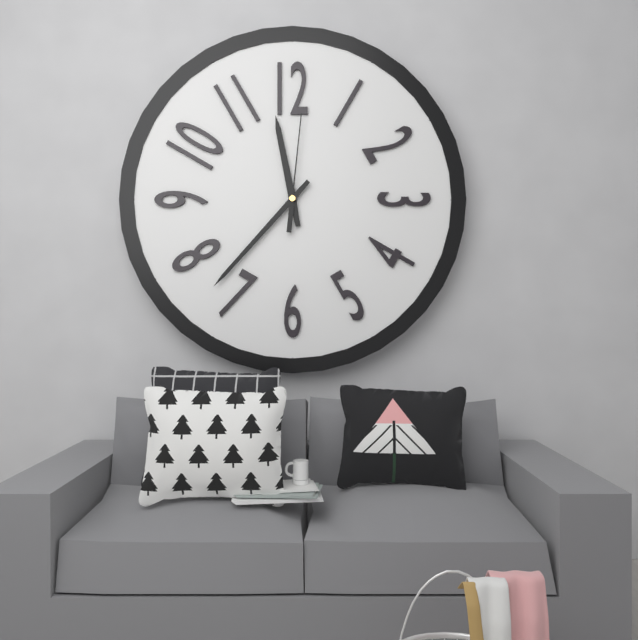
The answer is 11:37:01
